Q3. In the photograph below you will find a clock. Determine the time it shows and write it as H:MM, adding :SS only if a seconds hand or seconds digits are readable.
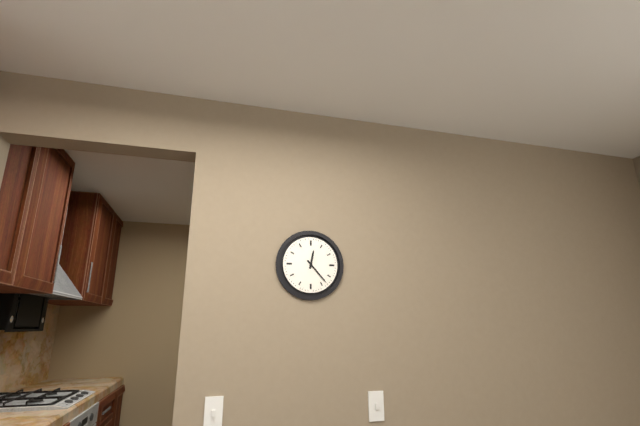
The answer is 12:23
